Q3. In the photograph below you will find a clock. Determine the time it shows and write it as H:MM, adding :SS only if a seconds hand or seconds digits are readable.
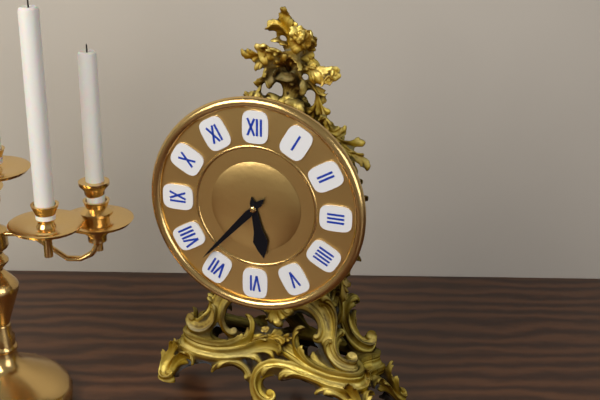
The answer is 5:37
